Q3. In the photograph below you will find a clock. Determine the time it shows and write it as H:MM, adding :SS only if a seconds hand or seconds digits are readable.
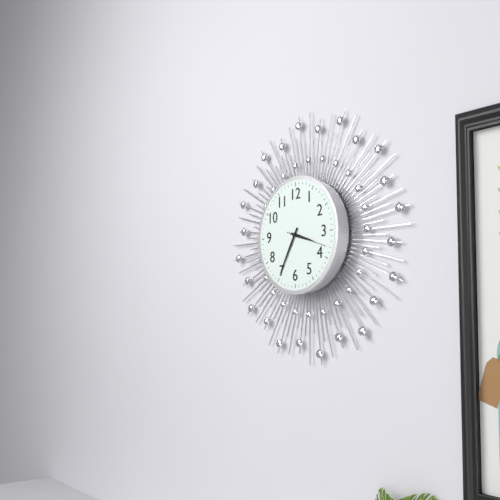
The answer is 3:35
